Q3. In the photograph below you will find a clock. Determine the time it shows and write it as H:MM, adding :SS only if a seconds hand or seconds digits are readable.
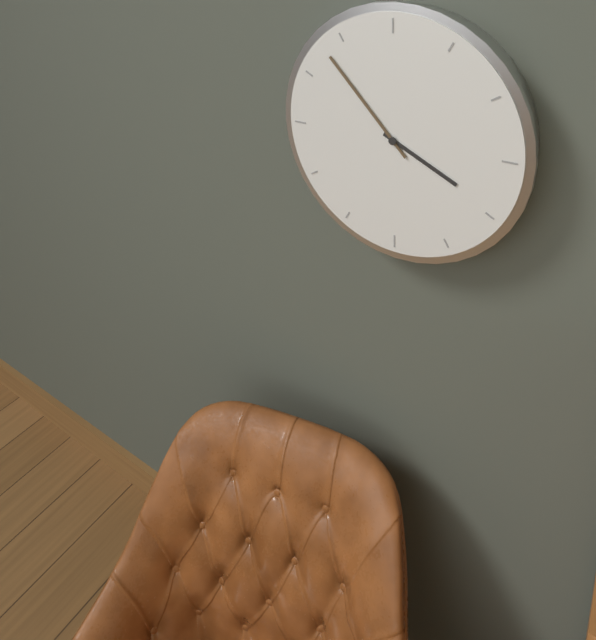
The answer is 3:53
